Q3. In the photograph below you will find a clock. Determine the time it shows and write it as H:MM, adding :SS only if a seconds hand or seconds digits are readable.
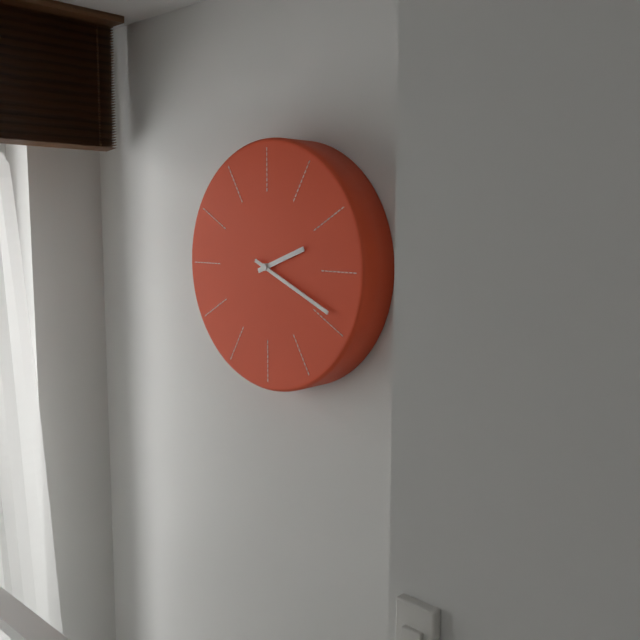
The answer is 2:19
